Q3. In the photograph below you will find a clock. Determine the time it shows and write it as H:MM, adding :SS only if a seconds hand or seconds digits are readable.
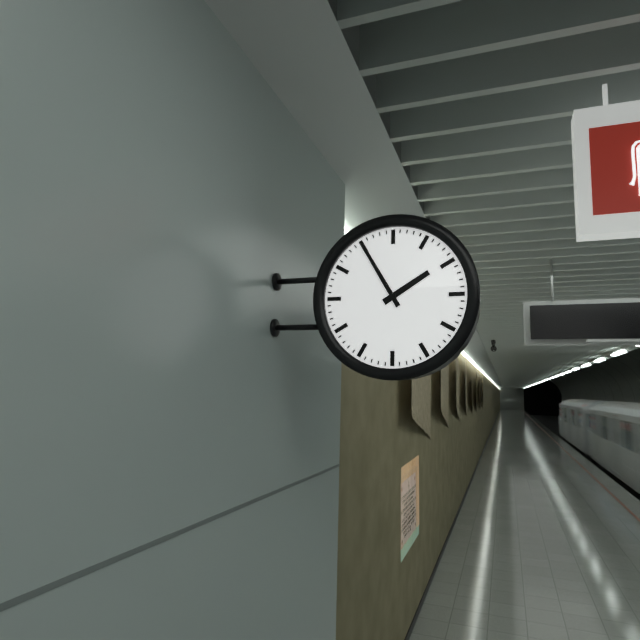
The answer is 1:55
